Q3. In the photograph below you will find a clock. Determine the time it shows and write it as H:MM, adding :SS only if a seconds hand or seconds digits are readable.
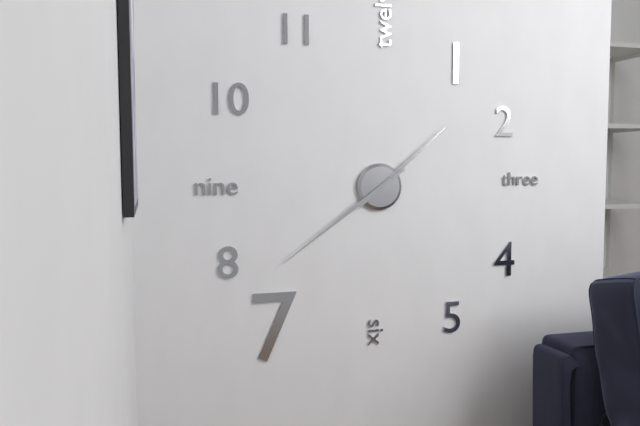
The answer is 1:39
